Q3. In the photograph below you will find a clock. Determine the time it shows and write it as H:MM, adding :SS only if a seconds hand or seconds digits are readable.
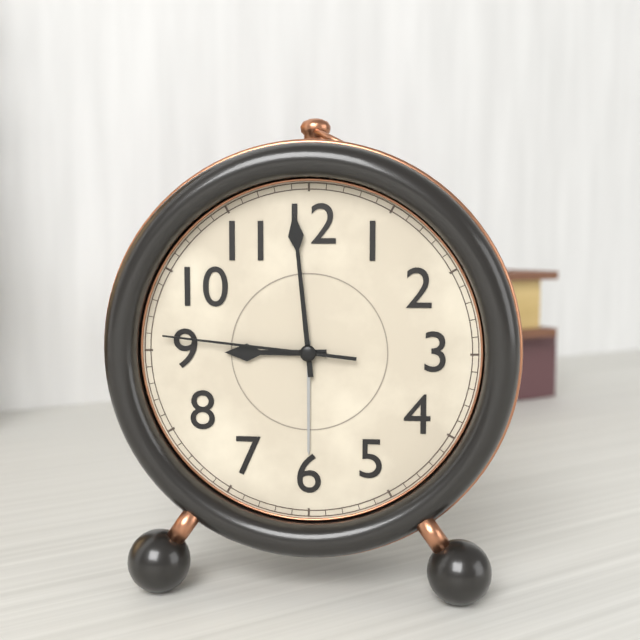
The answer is 8:59:46
